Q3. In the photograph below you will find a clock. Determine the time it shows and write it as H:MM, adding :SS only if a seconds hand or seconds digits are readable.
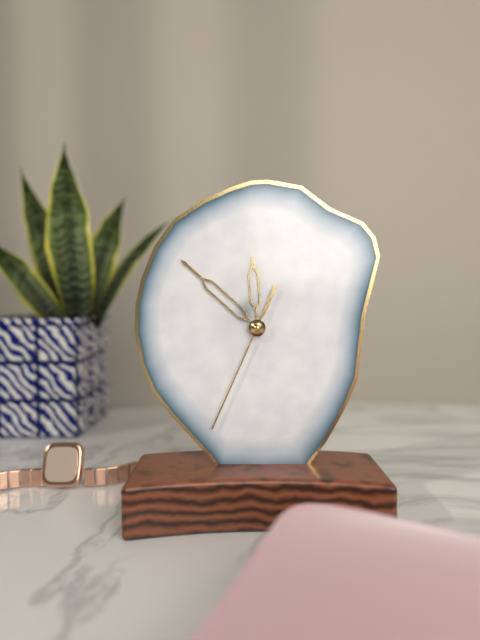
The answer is 11:52:34
